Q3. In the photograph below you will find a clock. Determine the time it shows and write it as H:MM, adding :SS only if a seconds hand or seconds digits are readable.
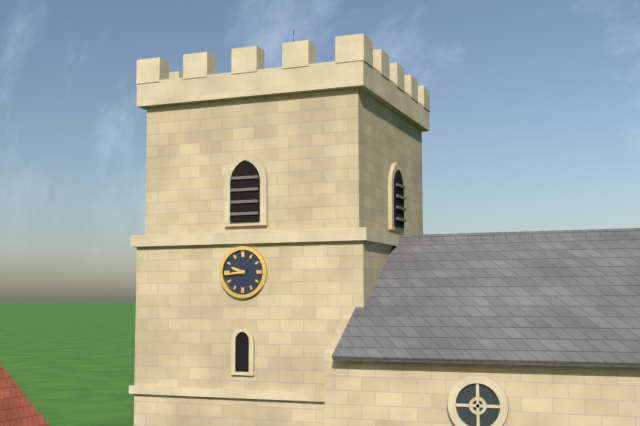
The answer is 9:44
